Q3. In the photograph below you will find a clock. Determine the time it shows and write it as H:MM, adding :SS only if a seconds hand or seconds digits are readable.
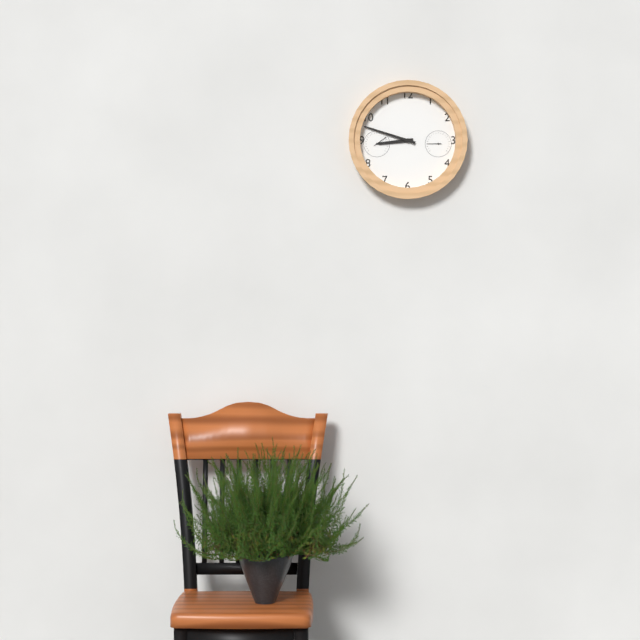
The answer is 8:48
